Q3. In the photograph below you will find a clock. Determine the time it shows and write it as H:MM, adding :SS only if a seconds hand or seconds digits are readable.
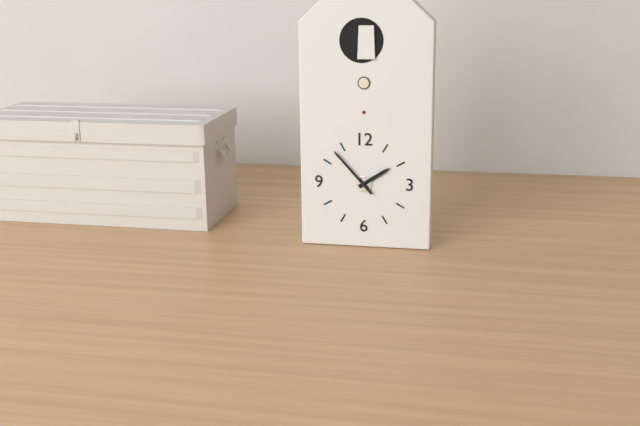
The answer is 1:53
